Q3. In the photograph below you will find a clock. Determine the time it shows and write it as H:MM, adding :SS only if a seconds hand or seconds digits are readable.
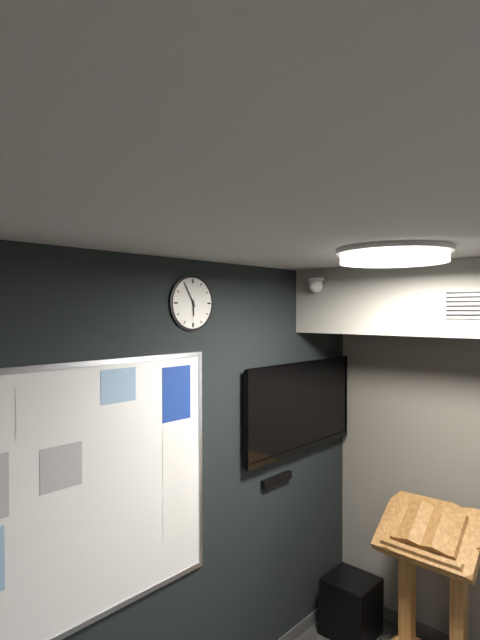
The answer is 5:55
